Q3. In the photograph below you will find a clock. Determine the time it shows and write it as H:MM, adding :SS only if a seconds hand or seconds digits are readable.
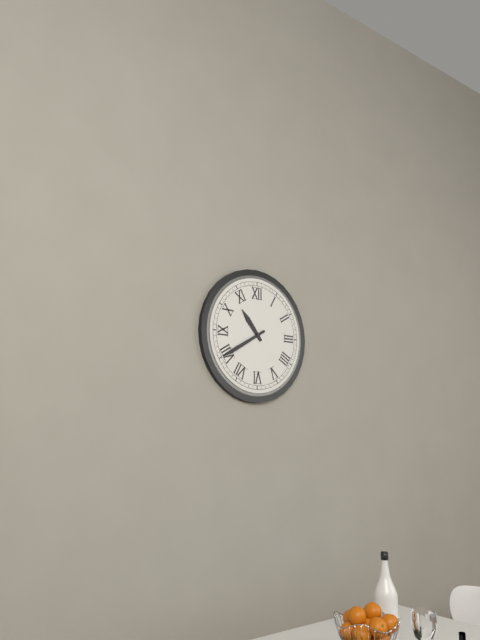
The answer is 10:40
